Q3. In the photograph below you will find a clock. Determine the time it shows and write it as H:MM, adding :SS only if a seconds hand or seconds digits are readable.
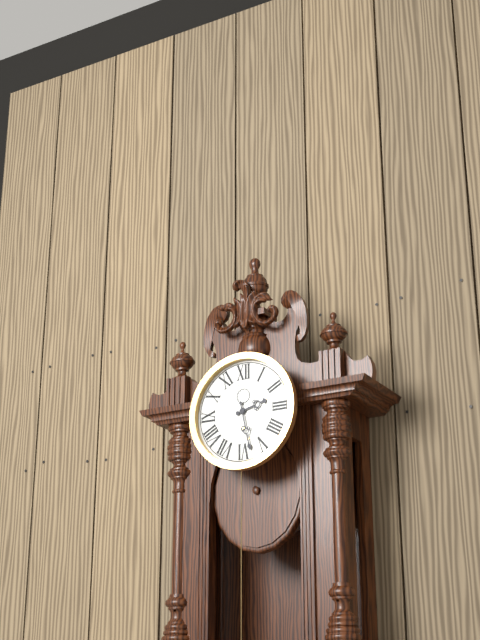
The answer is 2:28
